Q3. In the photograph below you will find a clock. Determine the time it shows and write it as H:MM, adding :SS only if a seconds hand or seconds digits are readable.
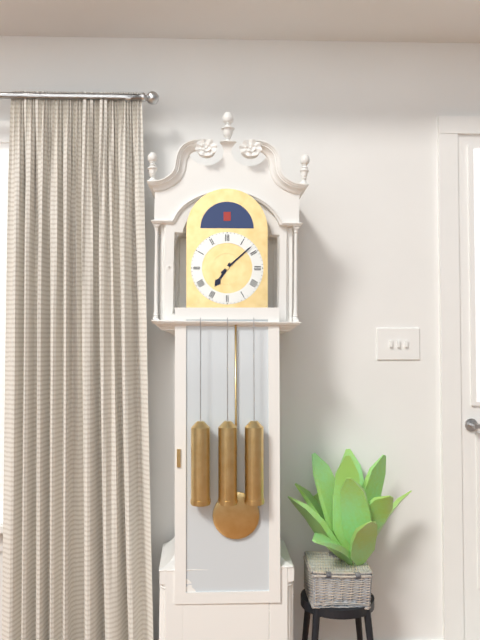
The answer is 7:08
